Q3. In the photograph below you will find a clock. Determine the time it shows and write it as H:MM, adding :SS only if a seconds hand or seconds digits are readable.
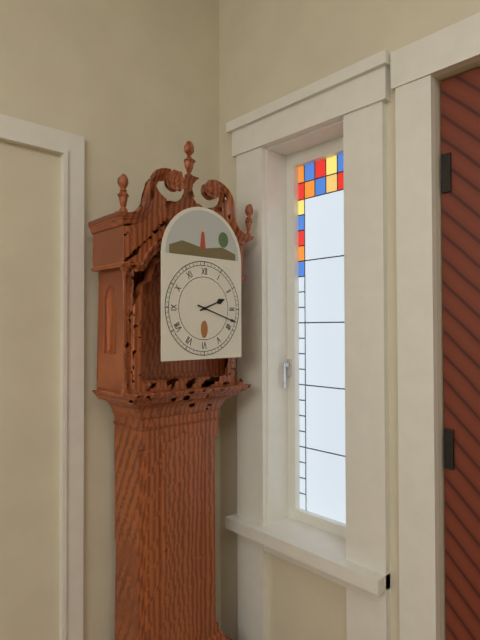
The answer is 2:18
